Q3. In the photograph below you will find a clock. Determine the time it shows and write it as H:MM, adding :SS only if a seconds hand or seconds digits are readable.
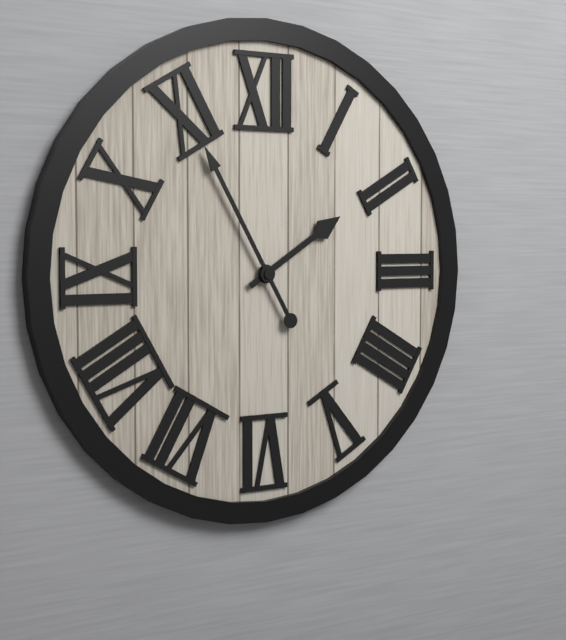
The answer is 1:55
